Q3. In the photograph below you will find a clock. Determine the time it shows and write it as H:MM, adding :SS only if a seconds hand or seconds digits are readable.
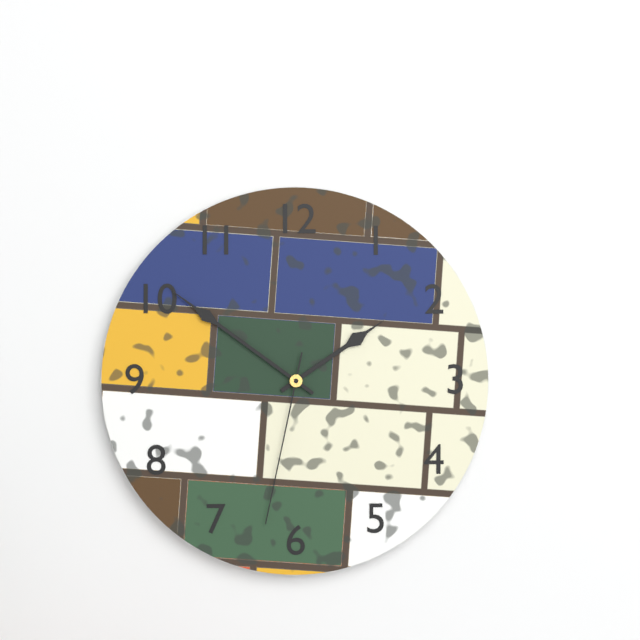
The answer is 1:51:32
